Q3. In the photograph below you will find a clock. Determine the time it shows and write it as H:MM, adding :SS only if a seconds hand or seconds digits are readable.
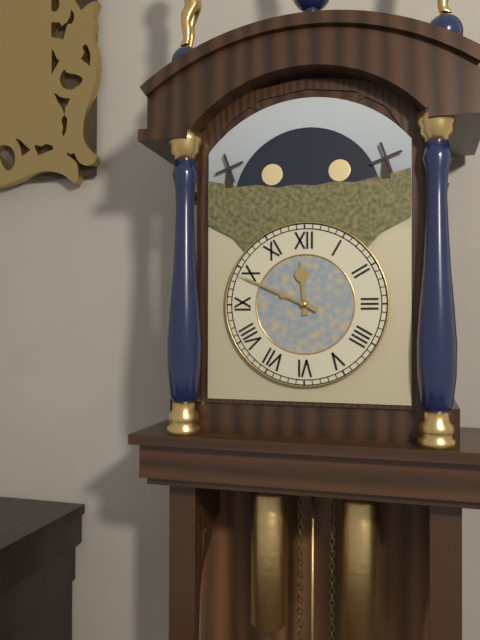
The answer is 11:49
